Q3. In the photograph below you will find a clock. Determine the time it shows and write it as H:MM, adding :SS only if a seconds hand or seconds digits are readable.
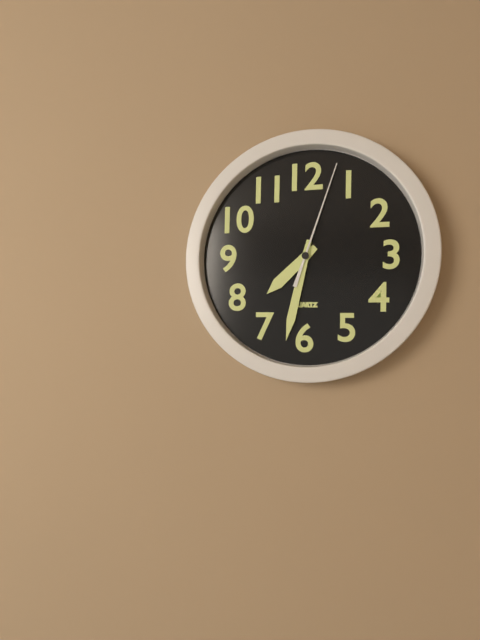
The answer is 7:32:03
